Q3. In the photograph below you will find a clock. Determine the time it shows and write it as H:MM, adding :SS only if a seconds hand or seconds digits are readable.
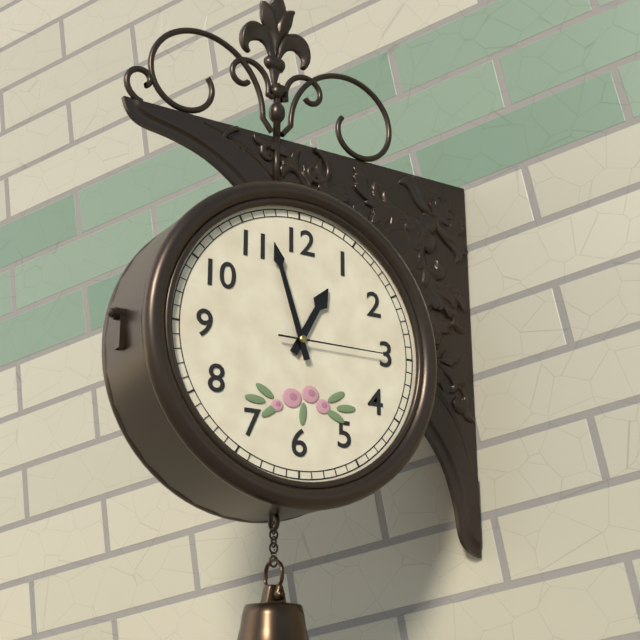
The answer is 12:57:15
